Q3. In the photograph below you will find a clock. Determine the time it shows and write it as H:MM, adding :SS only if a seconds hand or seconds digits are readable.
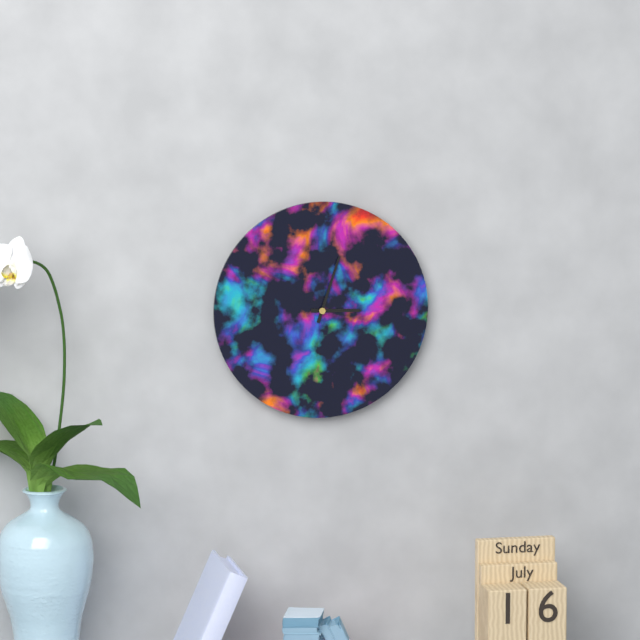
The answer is 3:03
